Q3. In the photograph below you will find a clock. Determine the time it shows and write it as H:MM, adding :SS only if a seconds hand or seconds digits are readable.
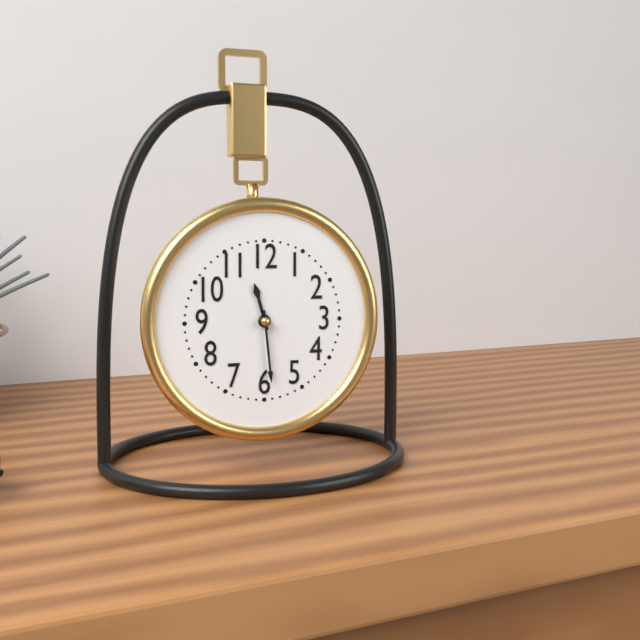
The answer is 11:29
